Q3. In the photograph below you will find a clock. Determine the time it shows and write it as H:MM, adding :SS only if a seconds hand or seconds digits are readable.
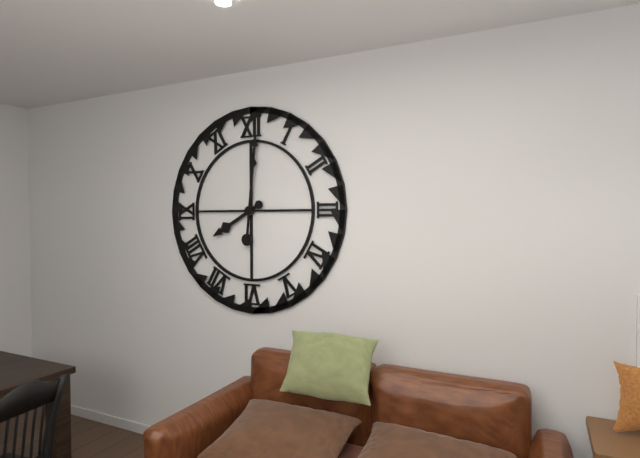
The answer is 8:01
